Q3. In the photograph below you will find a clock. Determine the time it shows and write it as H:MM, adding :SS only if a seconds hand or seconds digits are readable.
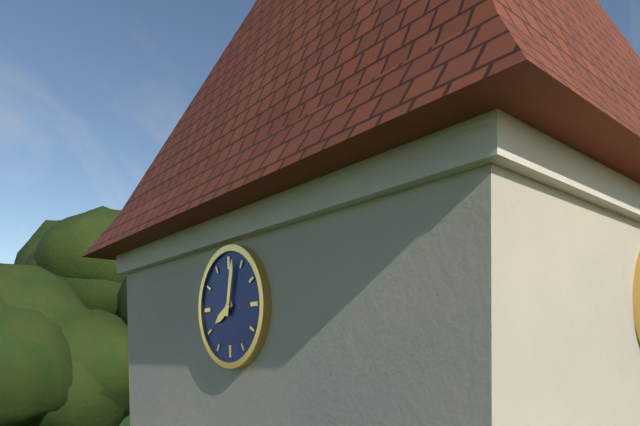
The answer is 8:02
